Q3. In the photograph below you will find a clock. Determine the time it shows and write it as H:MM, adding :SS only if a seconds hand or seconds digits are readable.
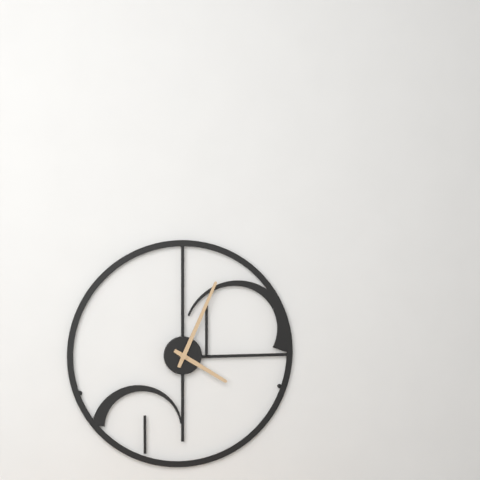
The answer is 4:04
